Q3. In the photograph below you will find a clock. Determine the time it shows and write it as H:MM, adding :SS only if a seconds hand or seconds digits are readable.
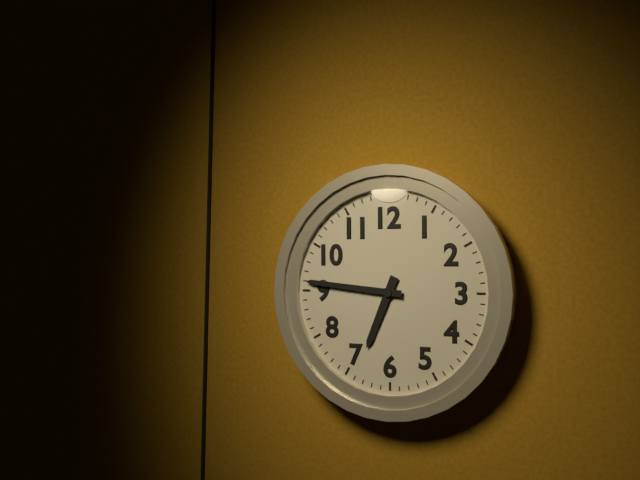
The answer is 6:46
